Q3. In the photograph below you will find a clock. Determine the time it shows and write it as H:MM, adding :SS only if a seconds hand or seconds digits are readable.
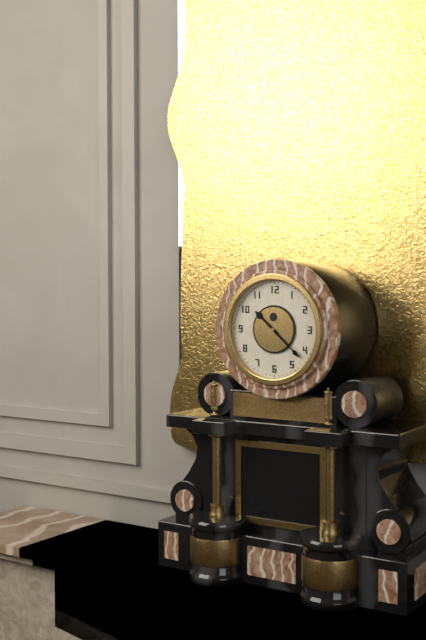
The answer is 10:22
